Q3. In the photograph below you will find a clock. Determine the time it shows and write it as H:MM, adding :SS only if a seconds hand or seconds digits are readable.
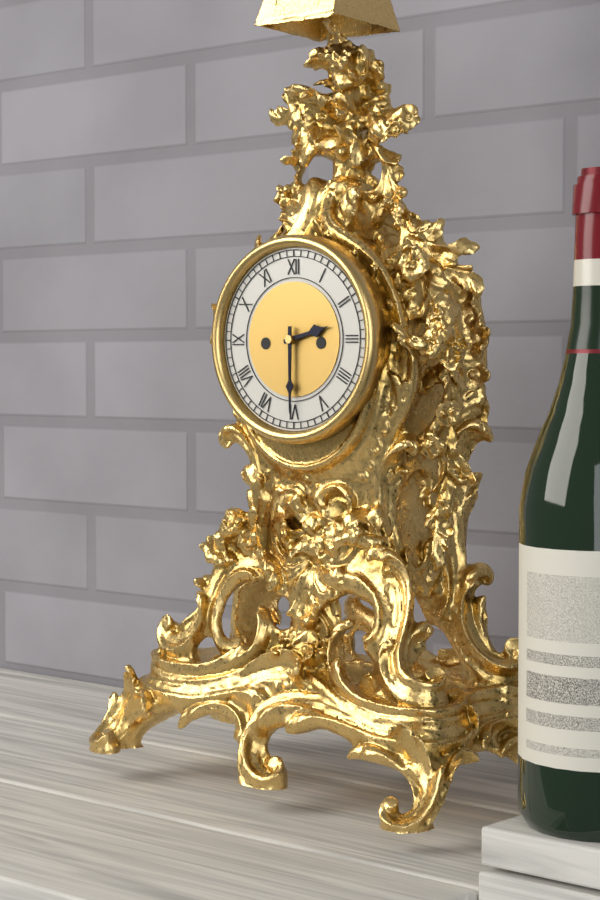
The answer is 2:30
